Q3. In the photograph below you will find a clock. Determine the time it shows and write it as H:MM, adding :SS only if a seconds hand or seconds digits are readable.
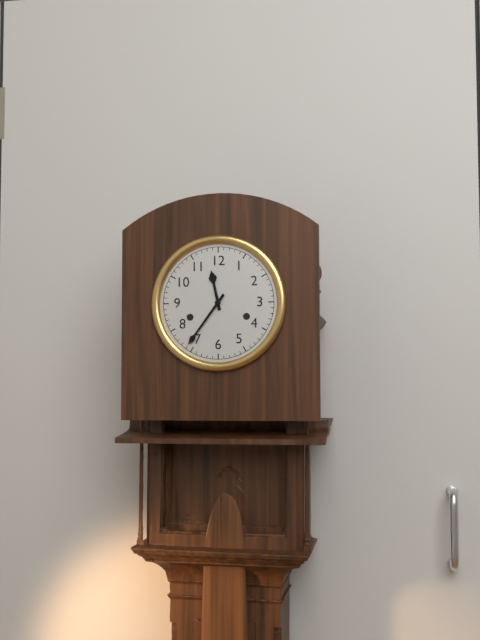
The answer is 11:36
